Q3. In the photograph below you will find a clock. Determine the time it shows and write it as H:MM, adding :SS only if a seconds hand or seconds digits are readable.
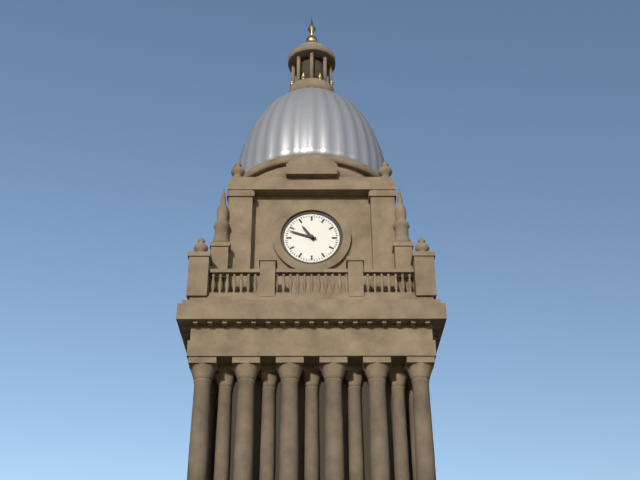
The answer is 10:48
